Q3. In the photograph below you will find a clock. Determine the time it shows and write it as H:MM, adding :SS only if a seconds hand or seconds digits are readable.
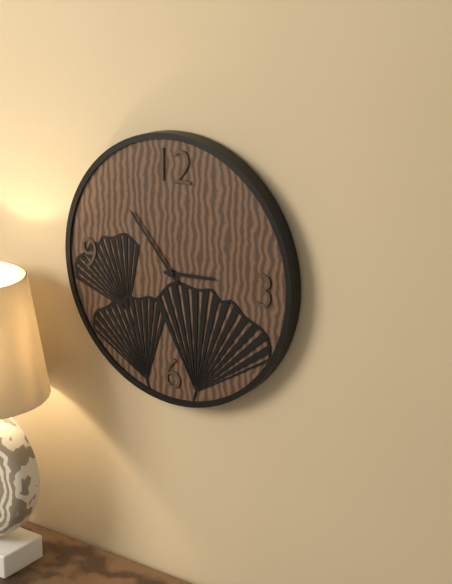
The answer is 2:53
